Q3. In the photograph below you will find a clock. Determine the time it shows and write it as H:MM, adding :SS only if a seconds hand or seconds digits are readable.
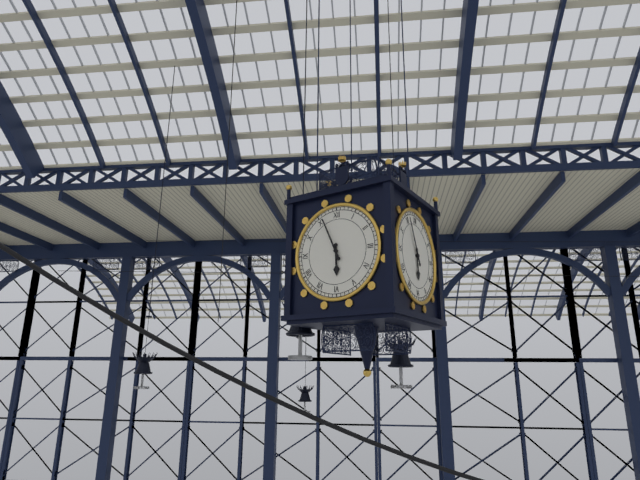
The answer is 5:56
